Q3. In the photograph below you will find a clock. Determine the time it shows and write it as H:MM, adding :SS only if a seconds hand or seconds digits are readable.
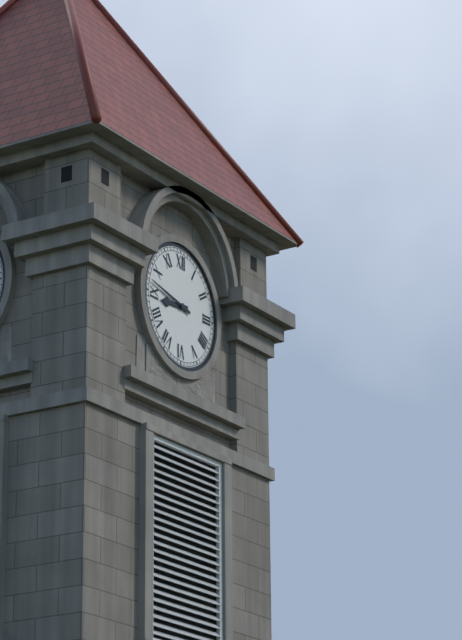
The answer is 8:47
